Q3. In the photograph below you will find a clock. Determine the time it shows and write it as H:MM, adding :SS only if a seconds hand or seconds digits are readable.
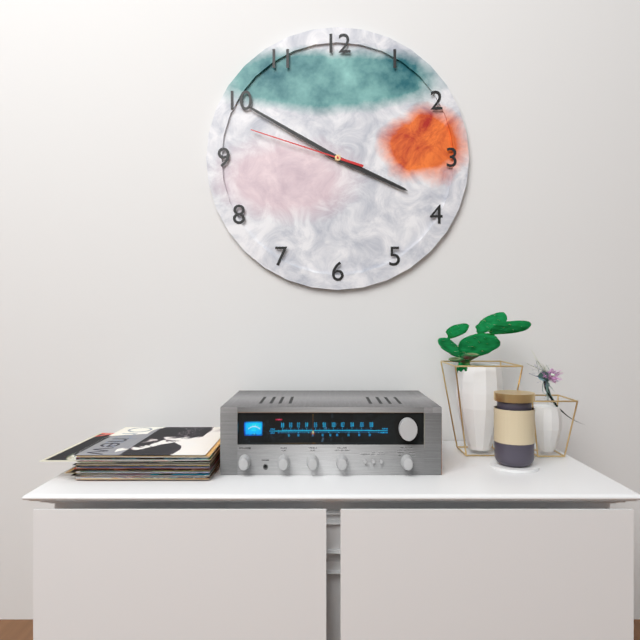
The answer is 3:50:48
